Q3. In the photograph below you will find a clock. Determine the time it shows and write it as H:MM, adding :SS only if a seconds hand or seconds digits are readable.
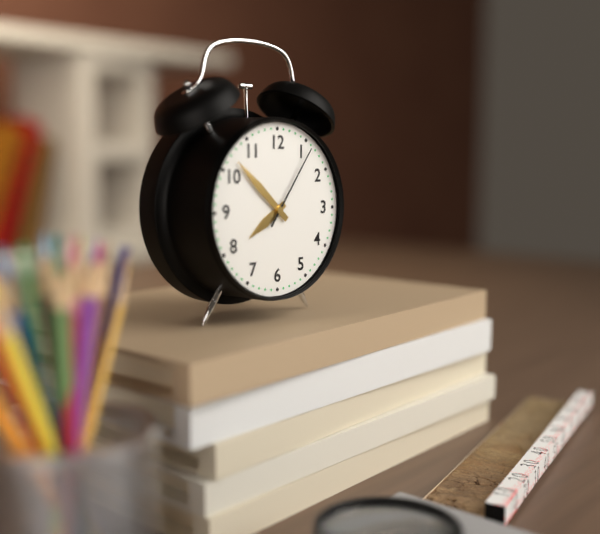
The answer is 7:52:06
